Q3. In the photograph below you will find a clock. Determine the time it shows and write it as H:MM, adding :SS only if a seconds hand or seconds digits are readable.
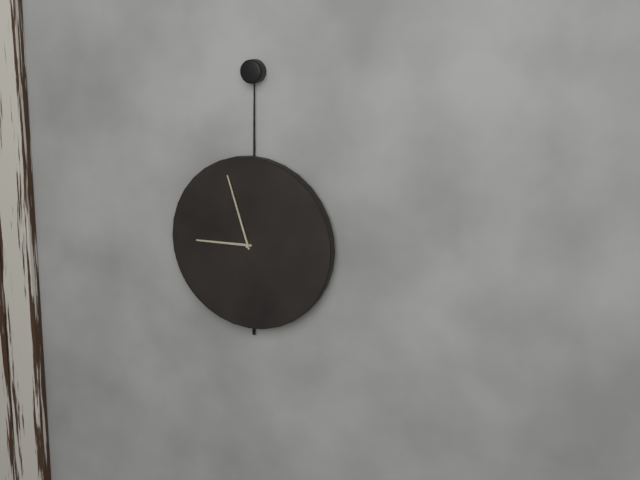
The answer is 8:57
